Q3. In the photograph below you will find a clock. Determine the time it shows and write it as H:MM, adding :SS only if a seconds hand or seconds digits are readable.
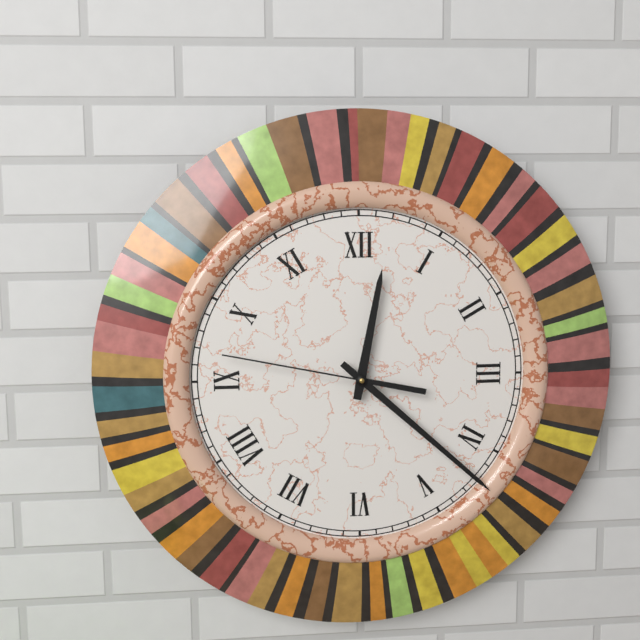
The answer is 12:22:47
